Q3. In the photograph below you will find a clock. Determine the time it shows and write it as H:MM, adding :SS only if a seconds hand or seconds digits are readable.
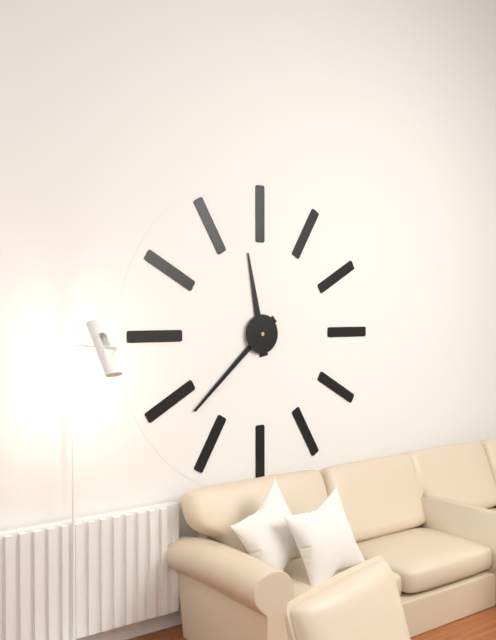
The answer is 11:38
